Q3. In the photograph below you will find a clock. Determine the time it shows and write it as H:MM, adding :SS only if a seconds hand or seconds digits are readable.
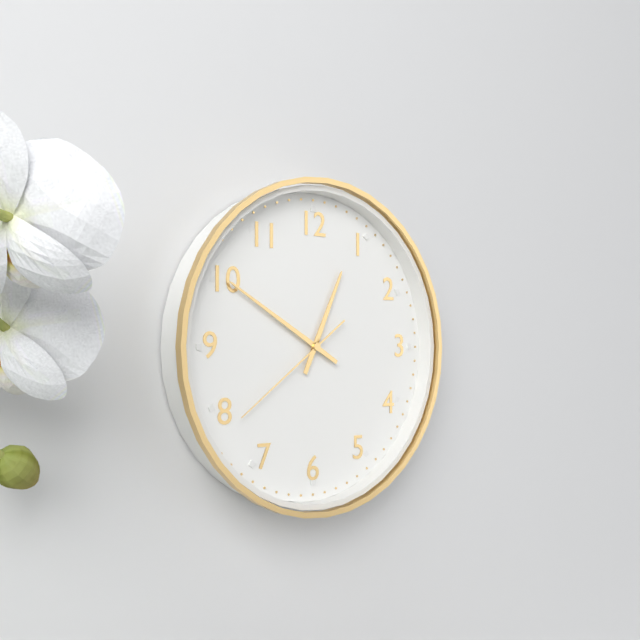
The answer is 12:50:39
